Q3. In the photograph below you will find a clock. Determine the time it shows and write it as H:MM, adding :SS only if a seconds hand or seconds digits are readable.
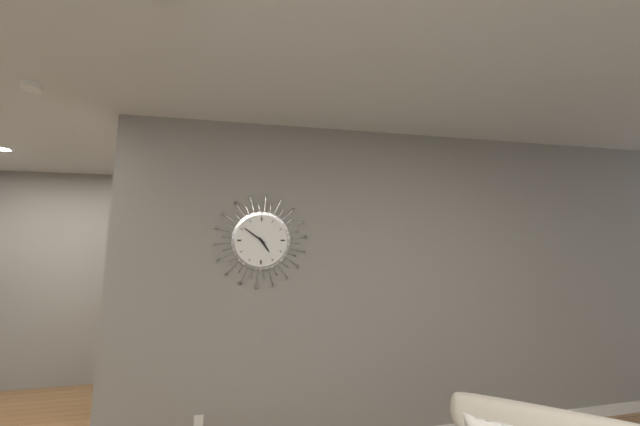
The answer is 4:51
